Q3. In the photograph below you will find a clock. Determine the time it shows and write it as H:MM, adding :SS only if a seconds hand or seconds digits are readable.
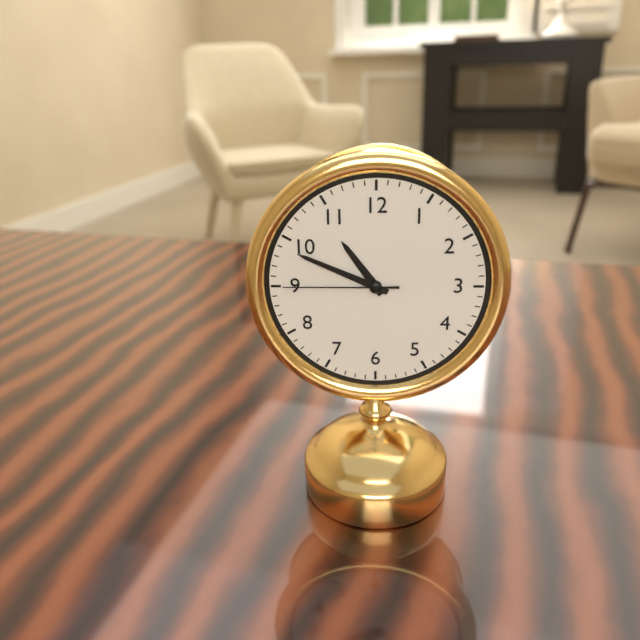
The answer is 10:49:45
